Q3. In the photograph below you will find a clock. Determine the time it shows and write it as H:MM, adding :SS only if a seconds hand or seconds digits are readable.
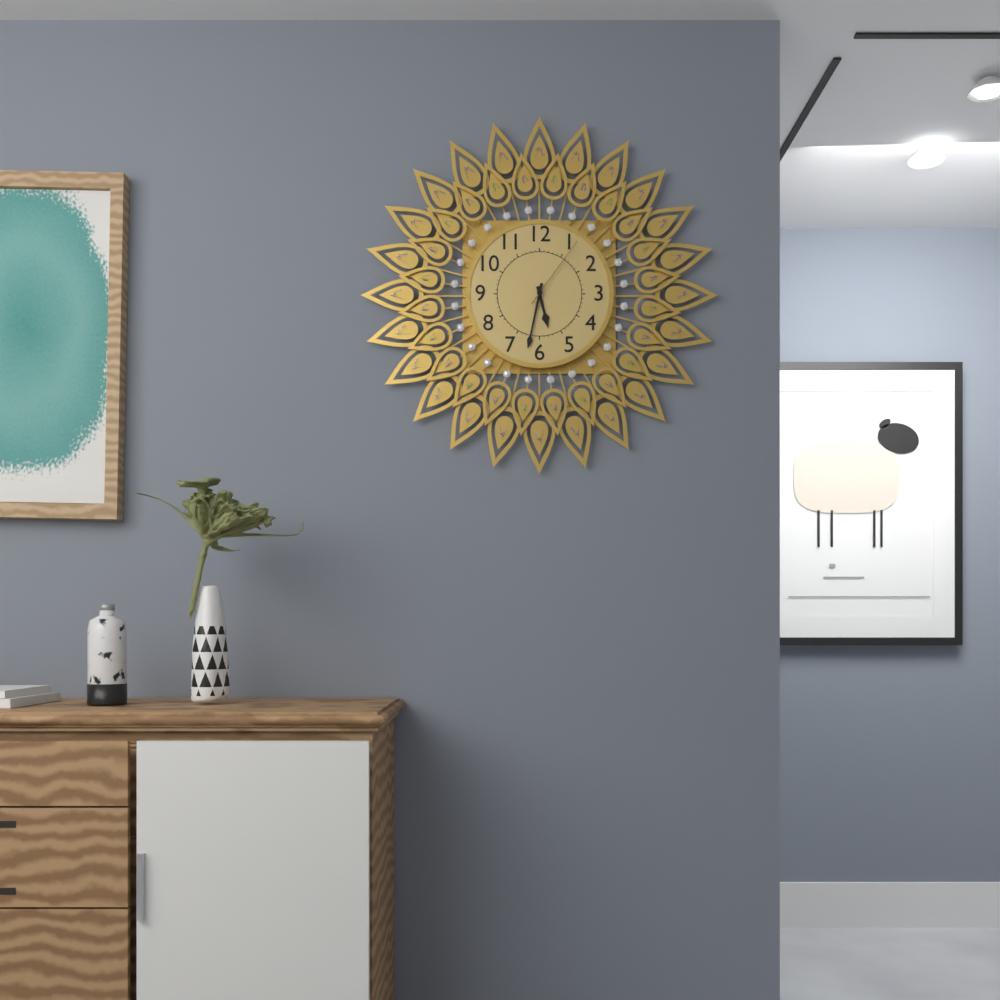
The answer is 5:32:06
